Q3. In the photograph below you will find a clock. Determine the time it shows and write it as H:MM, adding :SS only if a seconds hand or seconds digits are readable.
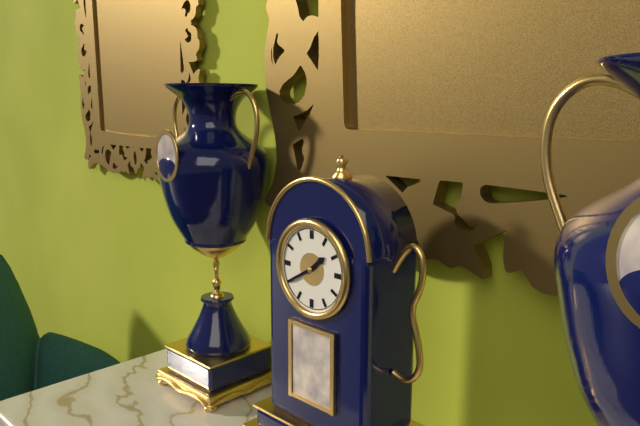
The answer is 1:40
